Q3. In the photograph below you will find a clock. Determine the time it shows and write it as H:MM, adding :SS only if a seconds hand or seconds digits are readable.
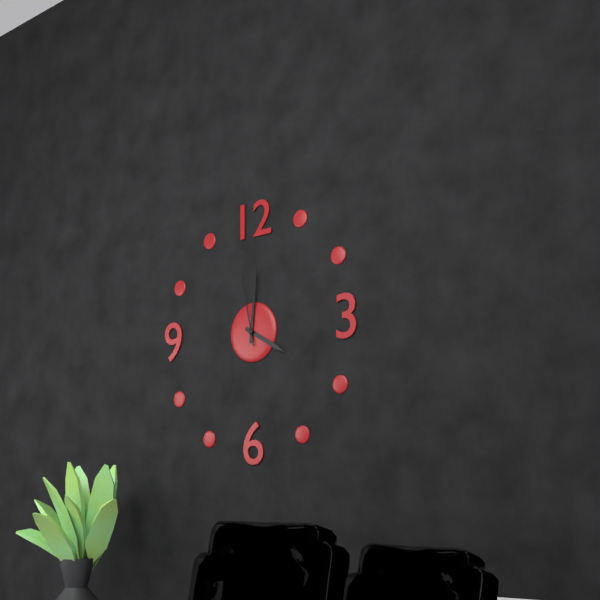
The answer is 4:01:58
